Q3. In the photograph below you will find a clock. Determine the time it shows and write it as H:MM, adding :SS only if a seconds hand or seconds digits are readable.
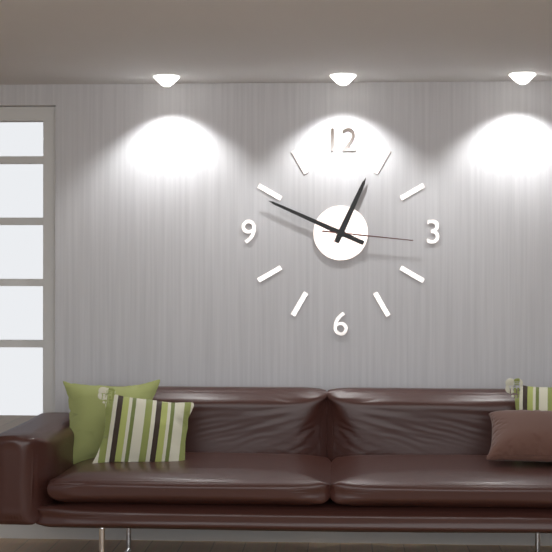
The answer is 12:49:16
